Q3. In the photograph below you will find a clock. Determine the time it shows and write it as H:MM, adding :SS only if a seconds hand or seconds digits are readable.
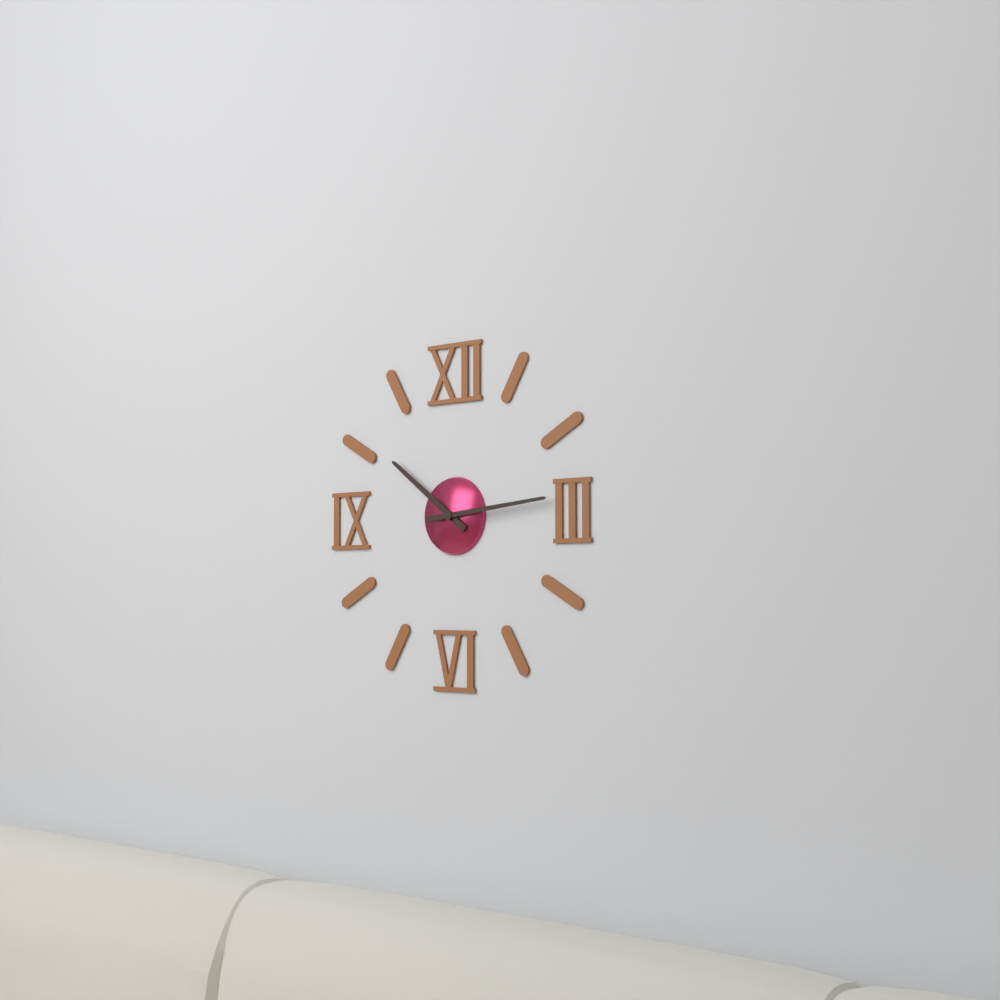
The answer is 10:14
